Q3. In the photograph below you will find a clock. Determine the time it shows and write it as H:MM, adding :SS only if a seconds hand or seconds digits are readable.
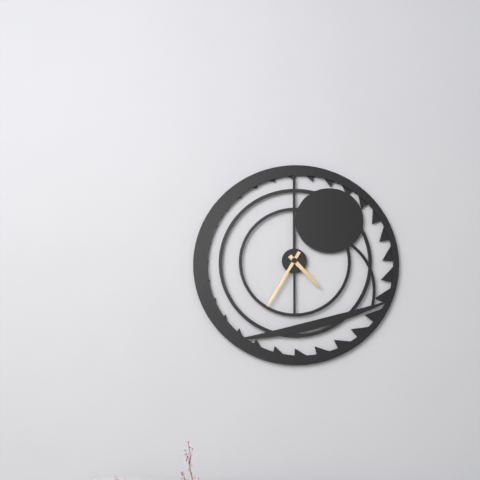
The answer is 4:35
